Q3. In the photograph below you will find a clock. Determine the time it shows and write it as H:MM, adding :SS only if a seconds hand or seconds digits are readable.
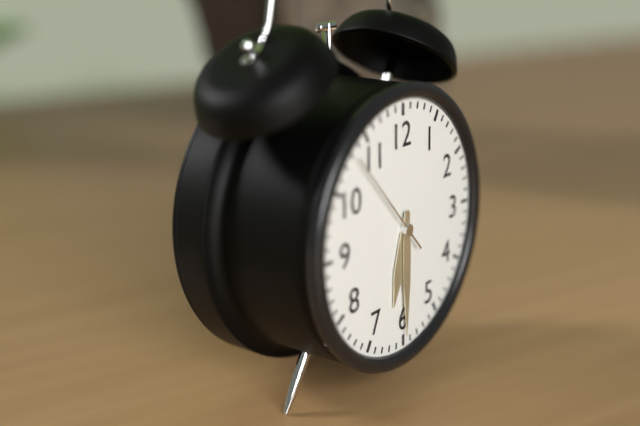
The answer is 6:30:53
